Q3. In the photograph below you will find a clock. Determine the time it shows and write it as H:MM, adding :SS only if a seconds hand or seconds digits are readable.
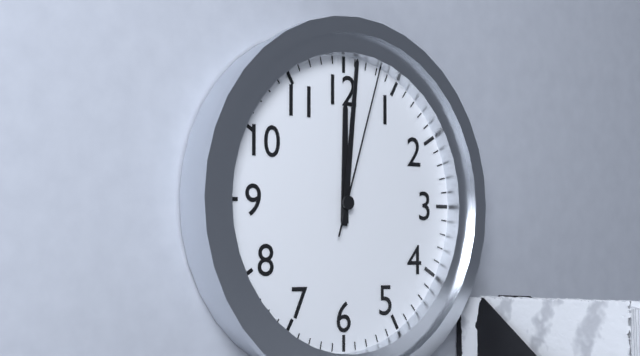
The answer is 12:01:03
